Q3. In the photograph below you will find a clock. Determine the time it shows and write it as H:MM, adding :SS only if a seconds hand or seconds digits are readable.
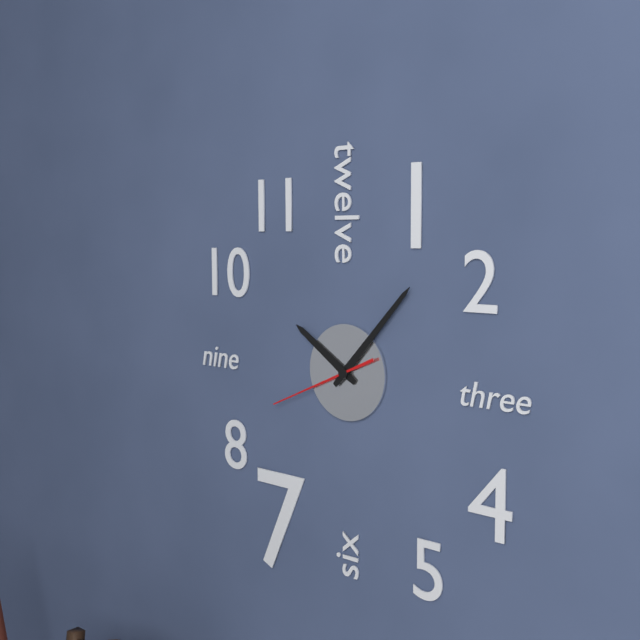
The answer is 10:07:41
